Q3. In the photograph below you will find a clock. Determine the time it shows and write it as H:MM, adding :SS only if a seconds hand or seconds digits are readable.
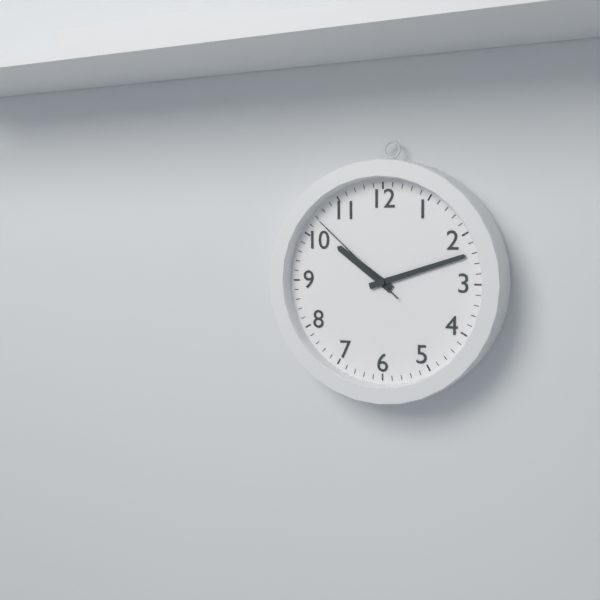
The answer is 10:12:52
